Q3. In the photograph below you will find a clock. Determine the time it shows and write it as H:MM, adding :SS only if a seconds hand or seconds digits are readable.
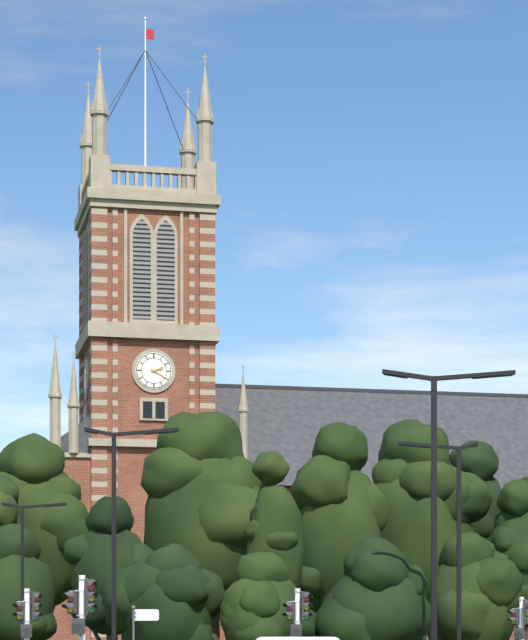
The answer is 2:20
